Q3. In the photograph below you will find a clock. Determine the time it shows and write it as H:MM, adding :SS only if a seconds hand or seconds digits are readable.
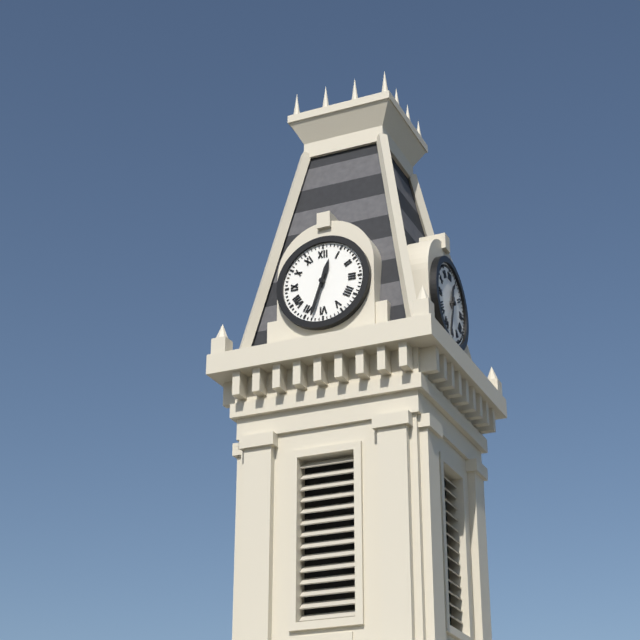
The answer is 12:33
